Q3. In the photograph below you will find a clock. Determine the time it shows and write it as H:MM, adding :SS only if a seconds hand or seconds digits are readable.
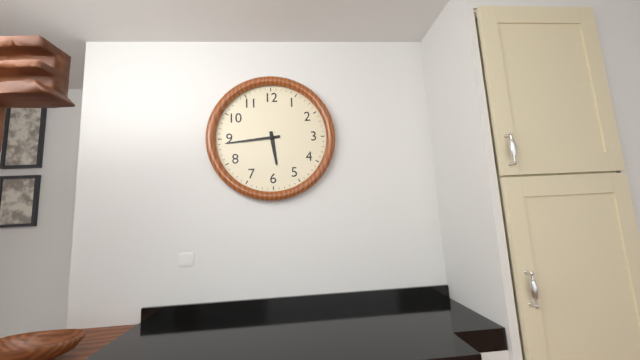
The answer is 5:44
